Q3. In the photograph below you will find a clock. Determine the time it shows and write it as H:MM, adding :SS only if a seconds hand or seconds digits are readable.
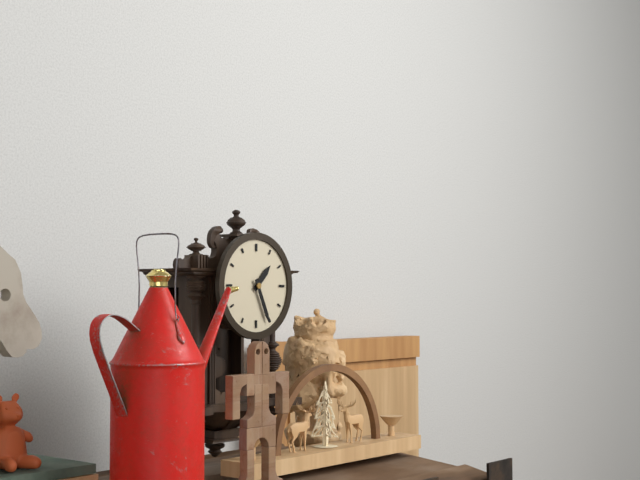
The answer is 1:26
